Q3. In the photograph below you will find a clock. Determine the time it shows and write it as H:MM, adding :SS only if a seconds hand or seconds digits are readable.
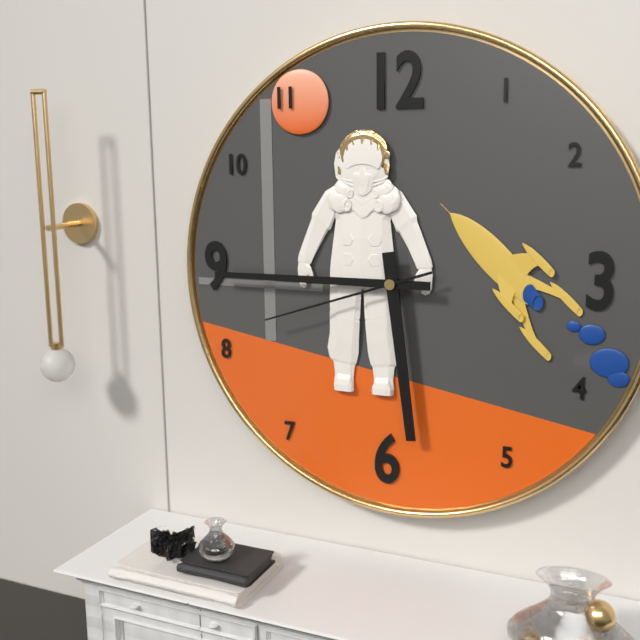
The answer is 5:45:42
